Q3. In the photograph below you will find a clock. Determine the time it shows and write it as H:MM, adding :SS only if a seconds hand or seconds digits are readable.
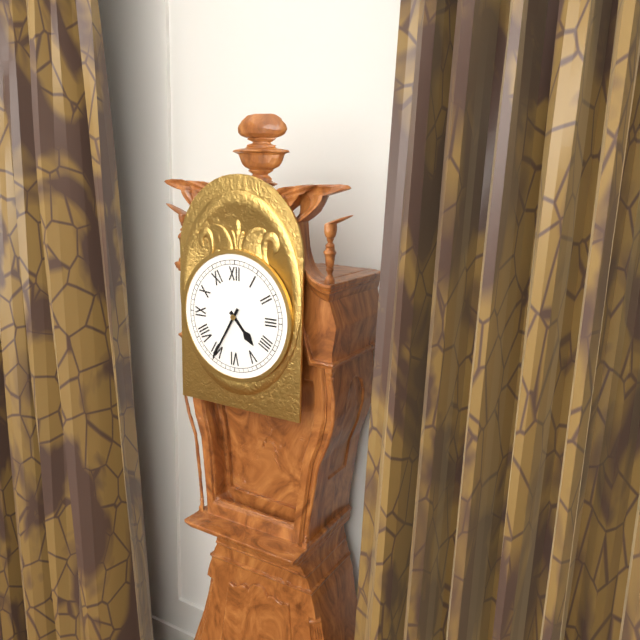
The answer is 4:35
